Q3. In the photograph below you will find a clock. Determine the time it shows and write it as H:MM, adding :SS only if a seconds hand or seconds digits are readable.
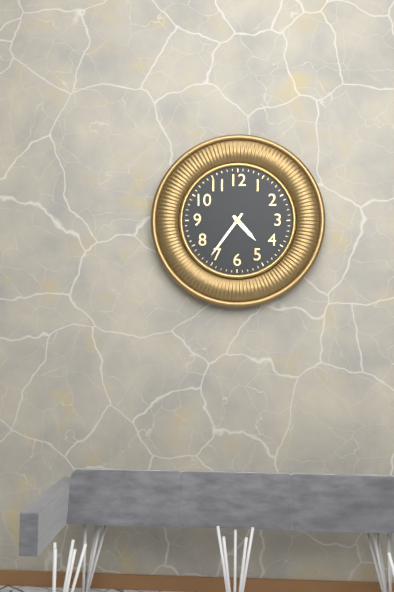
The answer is 4:36
